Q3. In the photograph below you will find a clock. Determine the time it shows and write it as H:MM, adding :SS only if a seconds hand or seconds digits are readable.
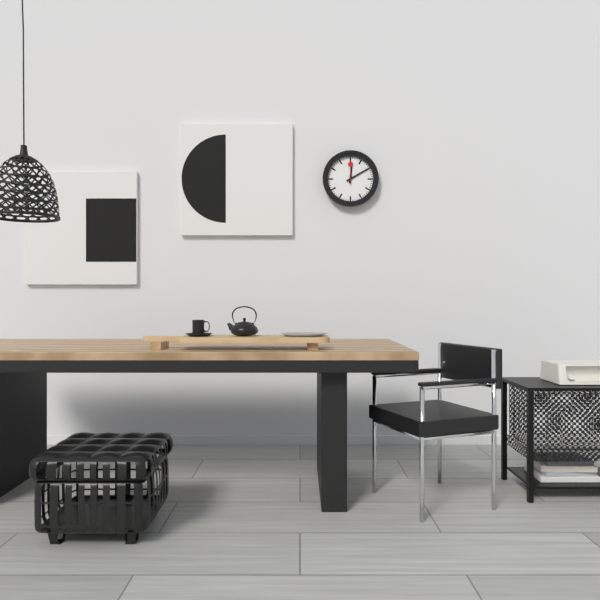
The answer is 12:10
